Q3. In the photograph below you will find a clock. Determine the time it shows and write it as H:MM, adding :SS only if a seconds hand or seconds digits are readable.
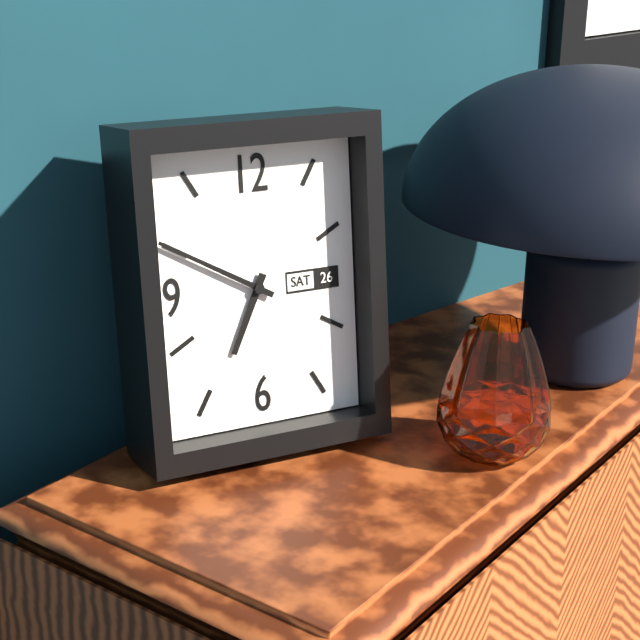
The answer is 6:50
